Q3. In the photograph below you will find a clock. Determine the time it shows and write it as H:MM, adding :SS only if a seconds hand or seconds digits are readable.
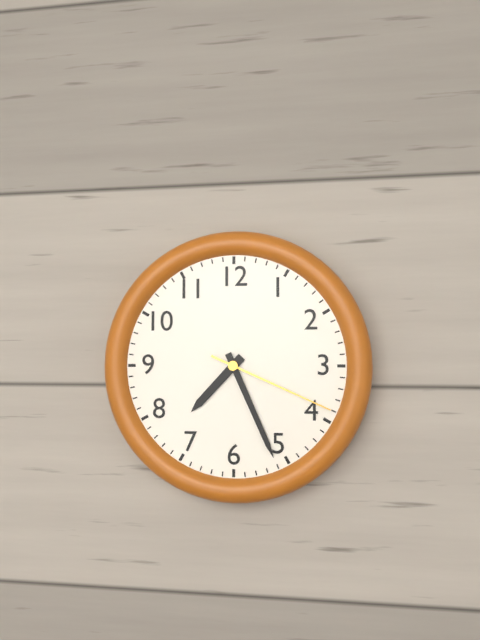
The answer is 7:26:19
